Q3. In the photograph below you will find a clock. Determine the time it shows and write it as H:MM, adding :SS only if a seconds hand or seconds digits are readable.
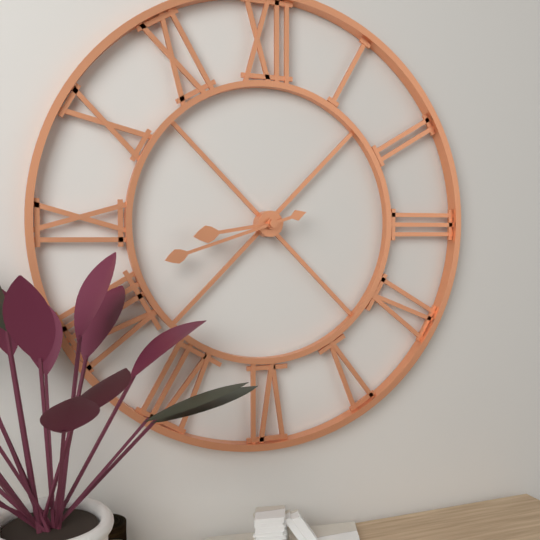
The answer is 8:42
